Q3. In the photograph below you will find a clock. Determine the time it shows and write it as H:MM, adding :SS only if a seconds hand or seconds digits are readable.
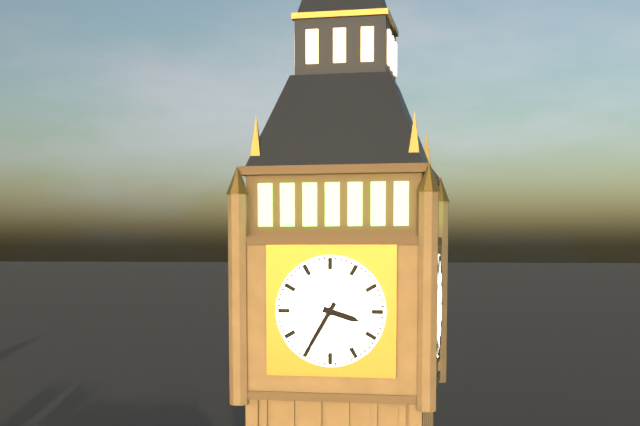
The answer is 3:35
